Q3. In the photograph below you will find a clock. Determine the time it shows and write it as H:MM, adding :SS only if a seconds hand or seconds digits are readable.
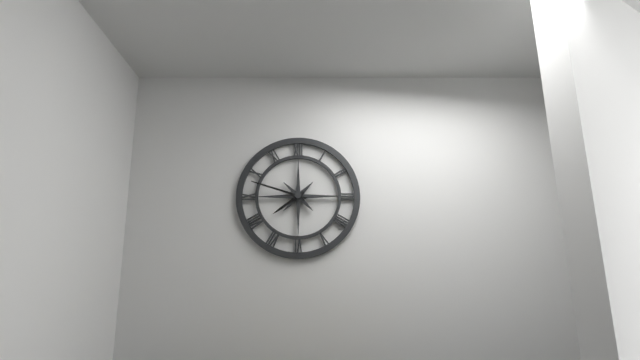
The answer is 7:48
